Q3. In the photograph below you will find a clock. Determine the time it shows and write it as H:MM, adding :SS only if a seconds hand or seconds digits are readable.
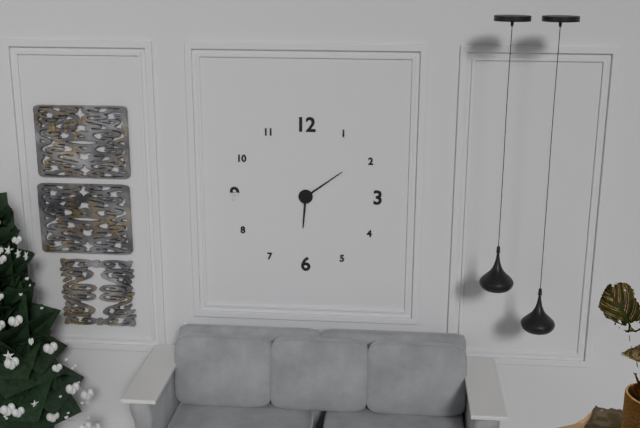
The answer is 6:09
